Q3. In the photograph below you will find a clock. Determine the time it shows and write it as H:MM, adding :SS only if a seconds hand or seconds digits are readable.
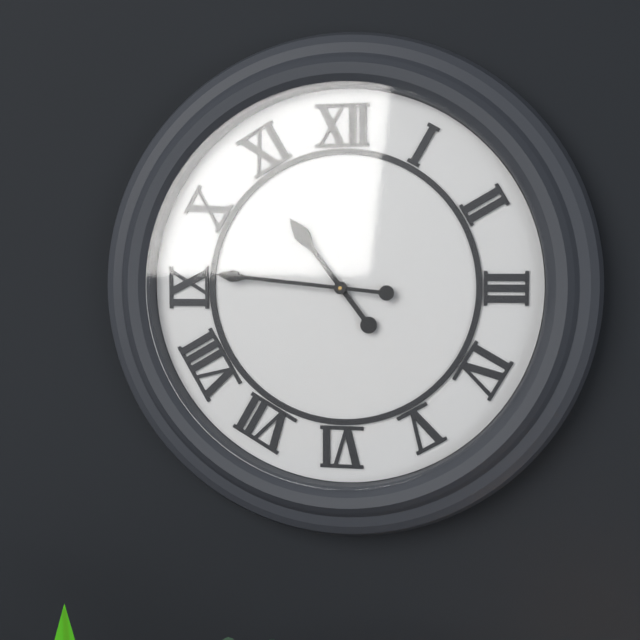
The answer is 10:46
